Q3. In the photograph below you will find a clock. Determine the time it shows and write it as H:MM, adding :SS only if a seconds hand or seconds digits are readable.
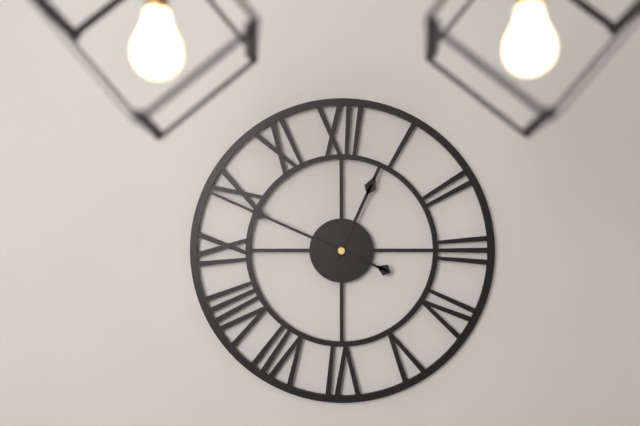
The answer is 12:49
